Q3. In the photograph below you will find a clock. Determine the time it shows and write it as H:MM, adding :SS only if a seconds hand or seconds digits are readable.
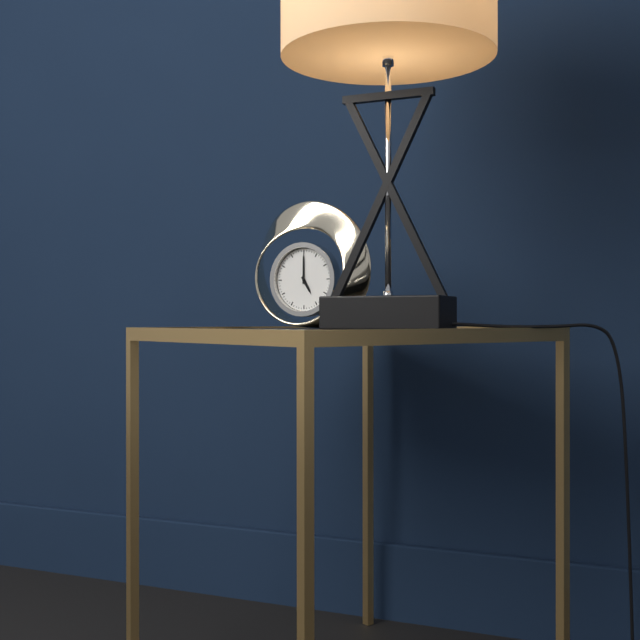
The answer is 5:00
